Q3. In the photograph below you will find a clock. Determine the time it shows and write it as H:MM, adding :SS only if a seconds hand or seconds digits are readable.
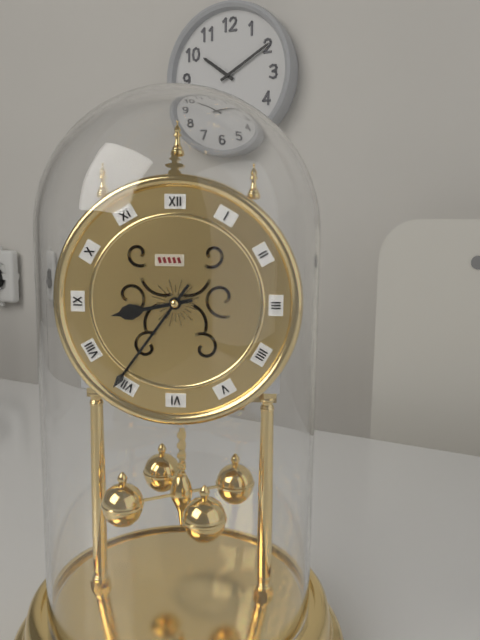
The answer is 8:36
